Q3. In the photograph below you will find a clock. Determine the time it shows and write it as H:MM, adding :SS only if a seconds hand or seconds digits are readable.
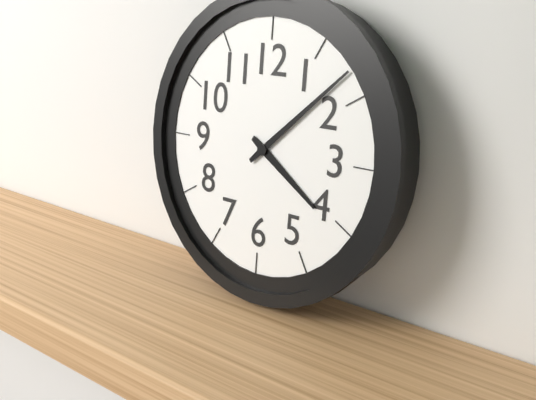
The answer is 4:08
